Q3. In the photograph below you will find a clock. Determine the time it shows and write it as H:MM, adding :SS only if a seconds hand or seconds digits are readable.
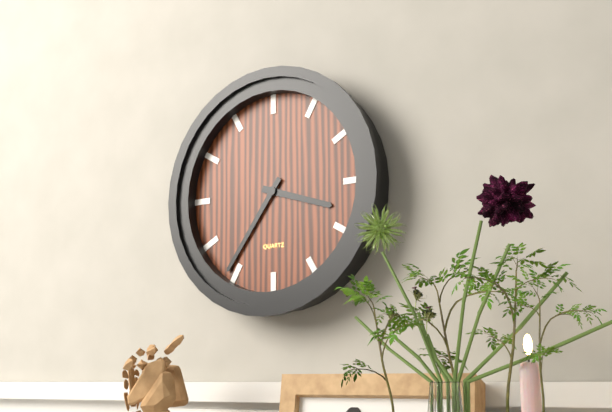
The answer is 3:36
